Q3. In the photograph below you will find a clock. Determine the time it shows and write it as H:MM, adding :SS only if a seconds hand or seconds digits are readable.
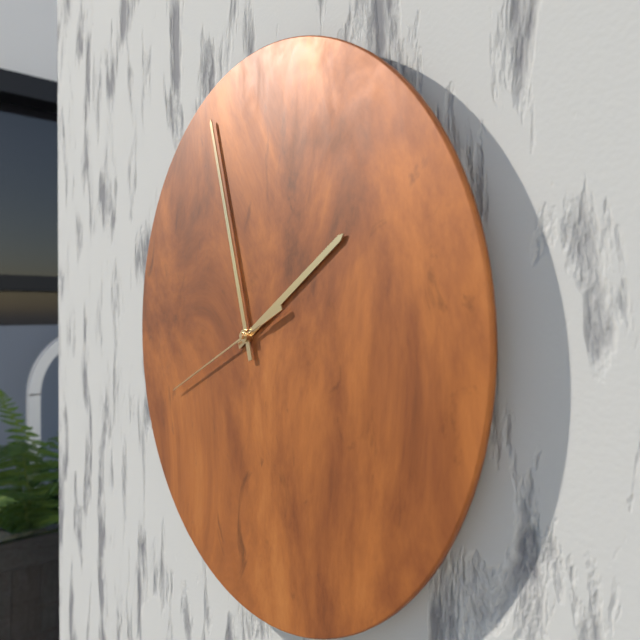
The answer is 1:57:41
